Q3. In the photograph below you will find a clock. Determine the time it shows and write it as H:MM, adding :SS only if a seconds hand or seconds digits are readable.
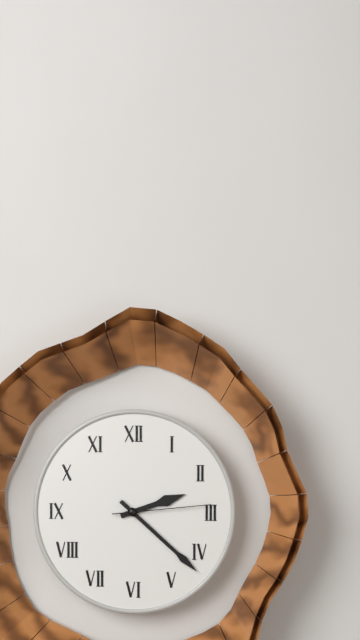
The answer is 2:22:14
